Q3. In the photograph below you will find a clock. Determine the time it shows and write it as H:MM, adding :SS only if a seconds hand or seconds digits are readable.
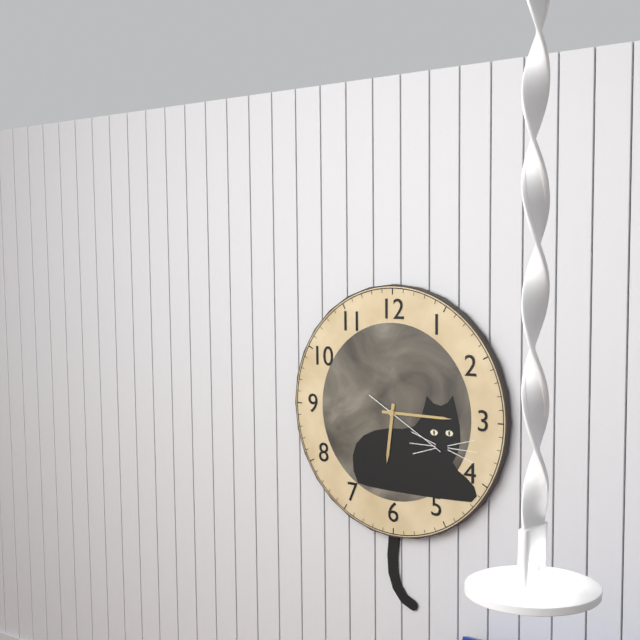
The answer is 6:15:20
